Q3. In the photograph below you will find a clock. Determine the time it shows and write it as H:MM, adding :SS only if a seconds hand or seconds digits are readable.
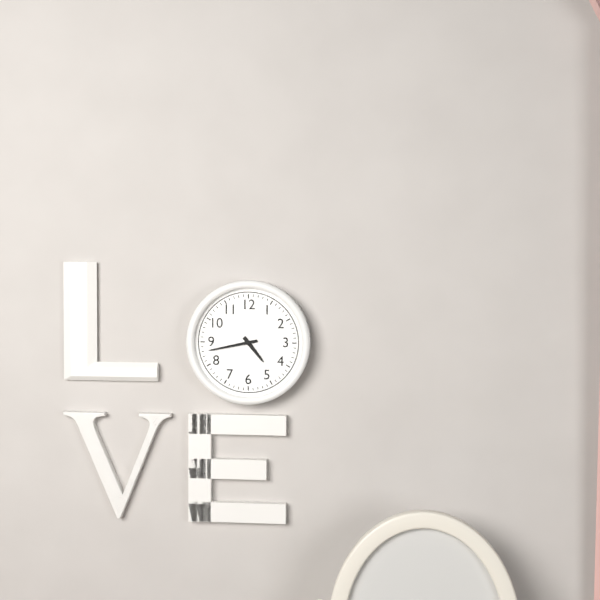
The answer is 4:43
